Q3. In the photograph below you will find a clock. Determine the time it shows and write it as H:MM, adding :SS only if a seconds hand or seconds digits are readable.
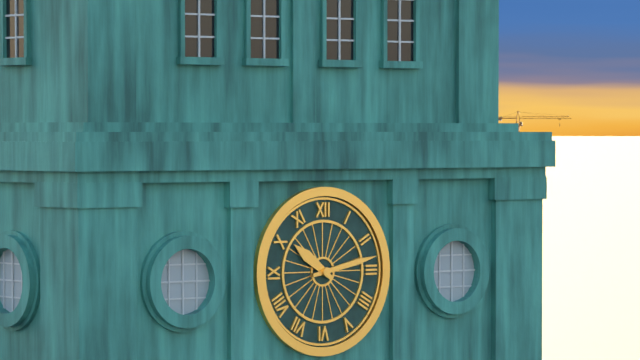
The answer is 10:13
